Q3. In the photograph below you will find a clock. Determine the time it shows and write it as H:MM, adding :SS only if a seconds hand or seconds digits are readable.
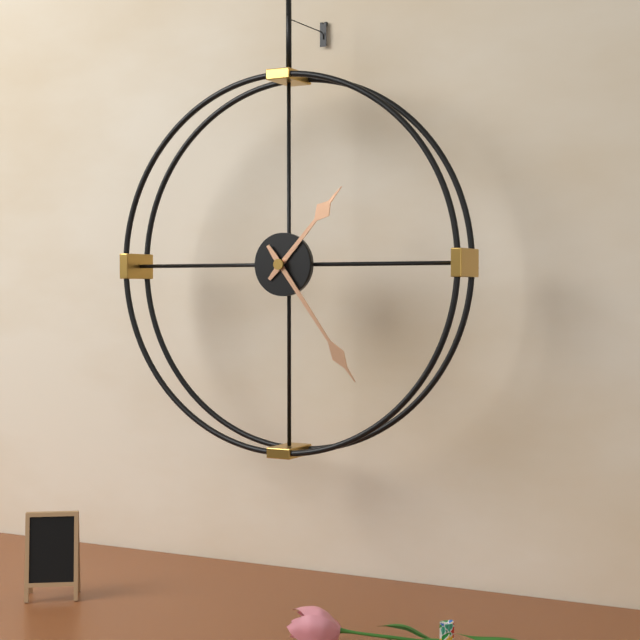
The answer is 1:24
